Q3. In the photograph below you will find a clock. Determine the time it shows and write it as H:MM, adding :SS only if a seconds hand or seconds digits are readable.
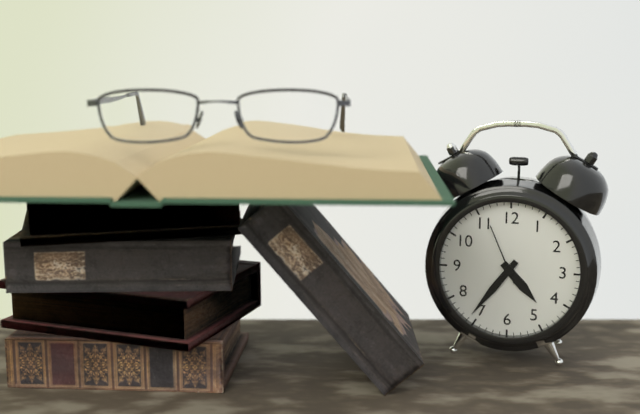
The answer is 4:36:56
